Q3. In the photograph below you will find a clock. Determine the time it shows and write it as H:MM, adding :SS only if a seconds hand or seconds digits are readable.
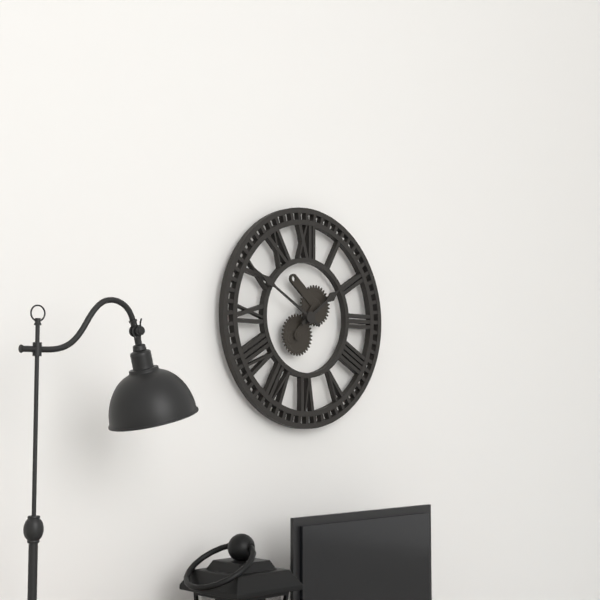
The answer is 1:50
